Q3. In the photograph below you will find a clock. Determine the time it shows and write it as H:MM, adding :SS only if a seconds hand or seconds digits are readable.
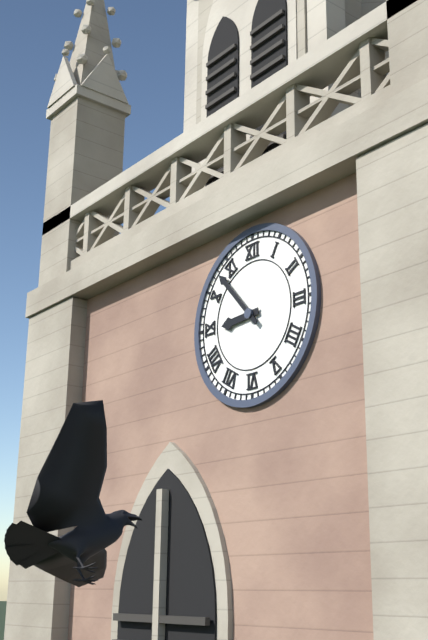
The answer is 8:53
